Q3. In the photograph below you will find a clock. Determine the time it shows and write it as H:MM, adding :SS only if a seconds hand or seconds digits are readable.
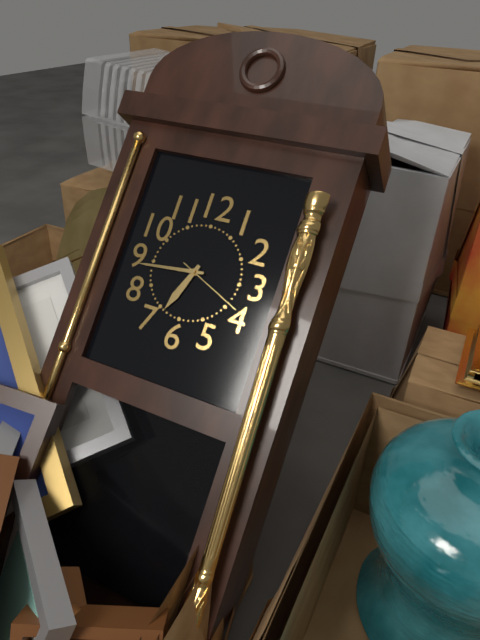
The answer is 6:44:19
